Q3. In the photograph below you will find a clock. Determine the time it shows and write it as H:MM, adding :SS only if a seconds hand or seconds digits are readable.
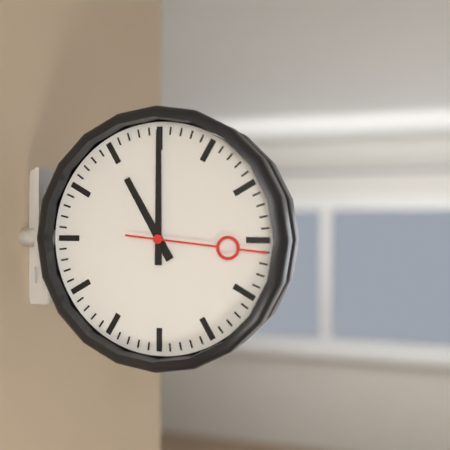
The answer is 11:00:16
